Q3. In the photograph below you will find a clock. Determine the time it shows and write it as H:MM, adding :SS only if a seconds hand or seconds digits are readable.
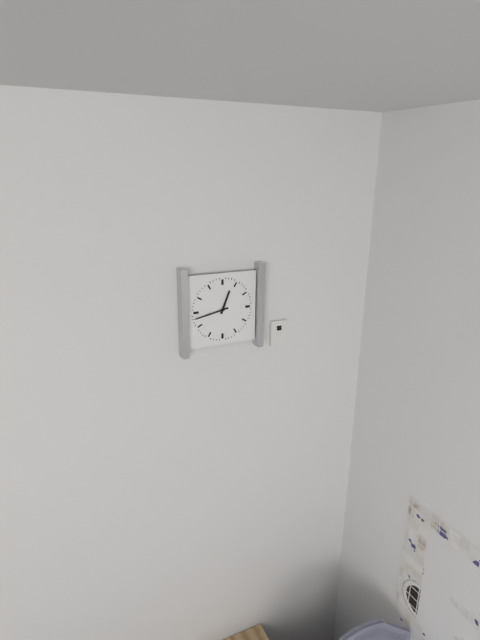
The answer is 12:43
